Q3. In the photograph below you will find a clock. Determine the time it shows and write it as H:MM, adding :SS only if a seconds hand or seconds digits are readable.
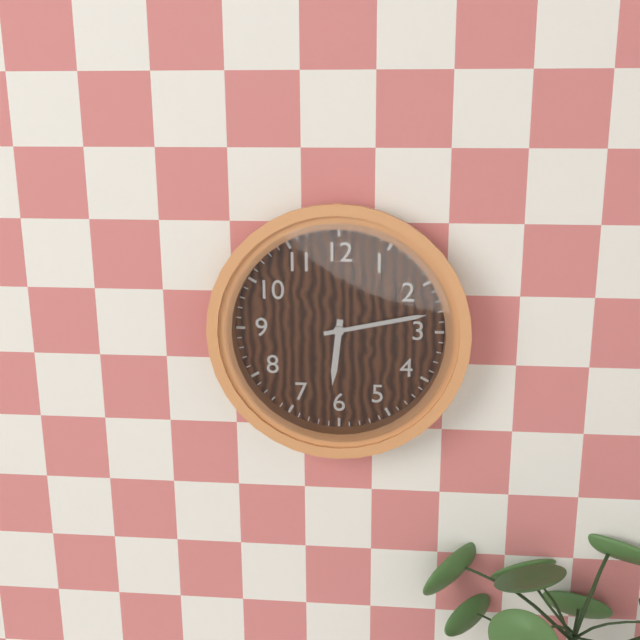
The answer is 6:13
